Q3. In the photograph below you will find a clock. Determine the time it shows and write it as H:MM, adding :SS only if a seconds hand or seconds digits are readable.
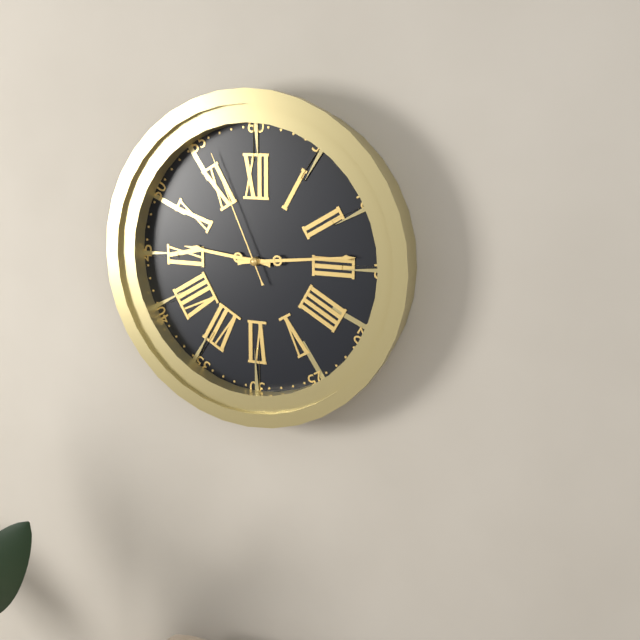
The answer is 9:14:56
